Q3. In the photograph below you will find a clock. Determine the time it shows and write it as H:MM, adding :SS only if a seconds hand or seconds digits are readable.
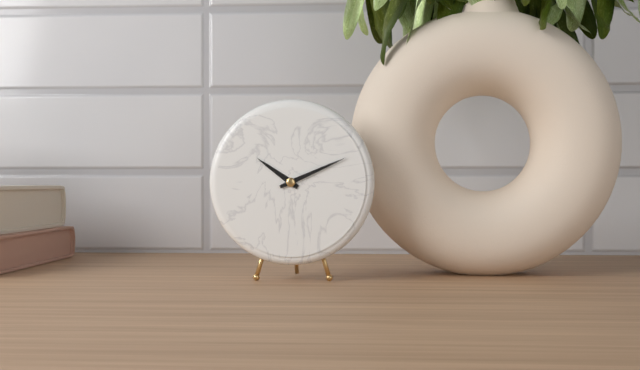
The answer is 10:11
